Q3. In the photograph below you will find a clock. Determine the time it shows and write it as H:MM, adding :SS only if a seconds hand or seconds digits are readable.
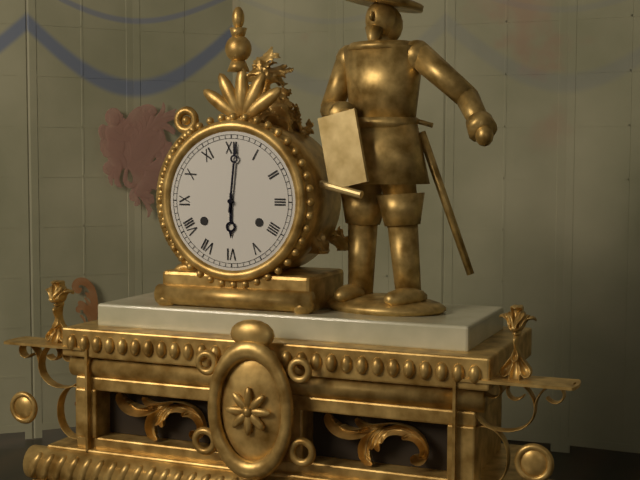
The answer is 6:01
